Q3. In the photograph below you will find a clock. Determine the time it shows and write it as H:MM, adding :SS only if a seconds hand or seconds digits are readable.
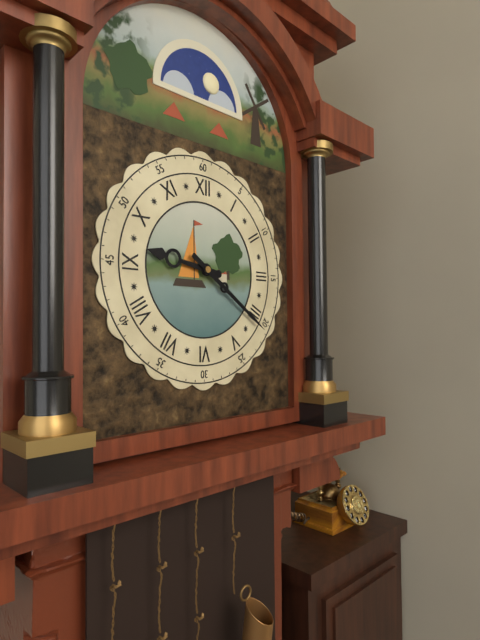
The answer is 9:21
